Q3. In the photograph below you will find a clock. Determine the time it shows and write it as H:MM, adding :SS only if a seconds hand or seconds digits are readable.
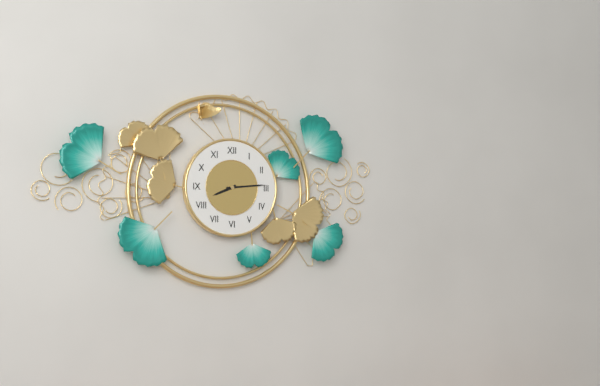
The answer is 8:14
